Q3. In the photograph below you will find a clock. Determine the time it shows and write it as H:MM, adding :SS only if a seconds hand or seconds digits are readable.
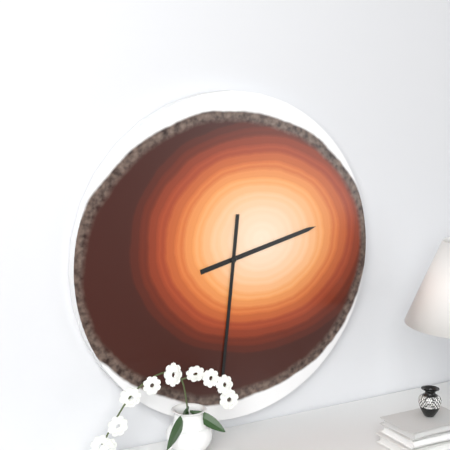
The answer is 2:31
